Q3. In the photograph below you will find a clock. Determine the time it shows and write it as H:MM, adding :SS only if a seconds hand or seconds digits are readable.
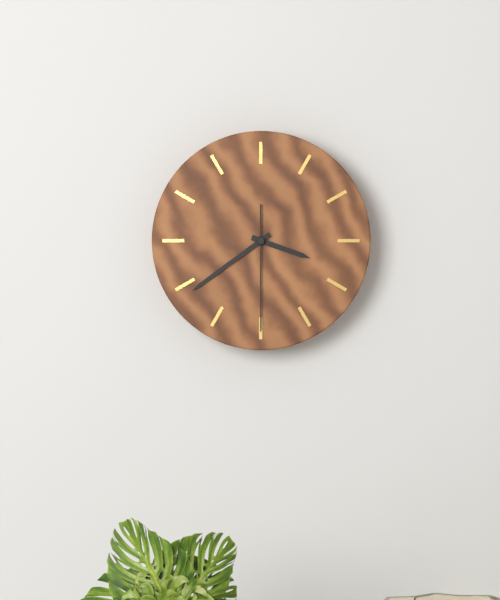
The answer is 3:39:30
